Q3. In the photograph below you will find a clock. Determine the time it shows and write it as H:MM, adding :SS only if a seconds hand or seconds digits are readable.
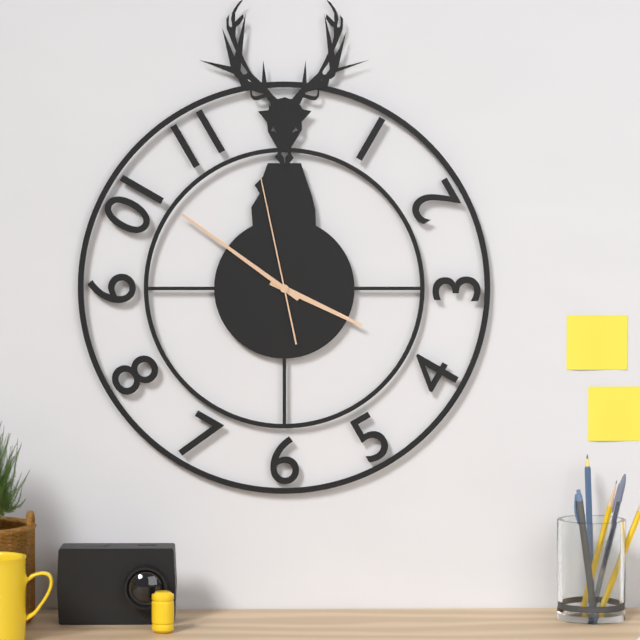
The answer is 3:51:58
